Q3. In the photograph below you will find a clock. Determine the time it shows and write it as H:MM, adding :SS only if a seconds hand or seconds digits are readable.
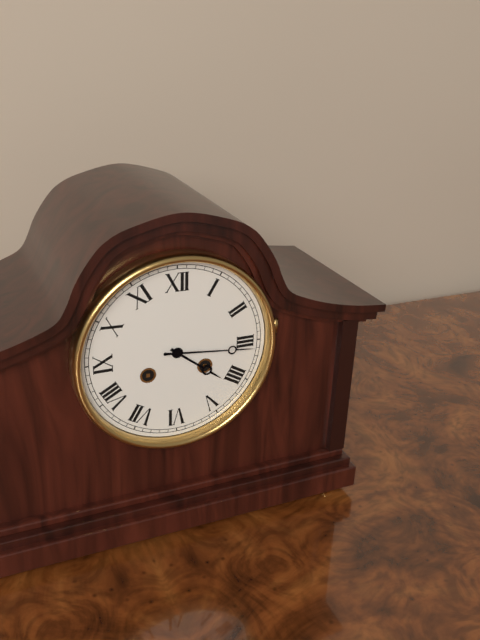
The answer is 4:16
